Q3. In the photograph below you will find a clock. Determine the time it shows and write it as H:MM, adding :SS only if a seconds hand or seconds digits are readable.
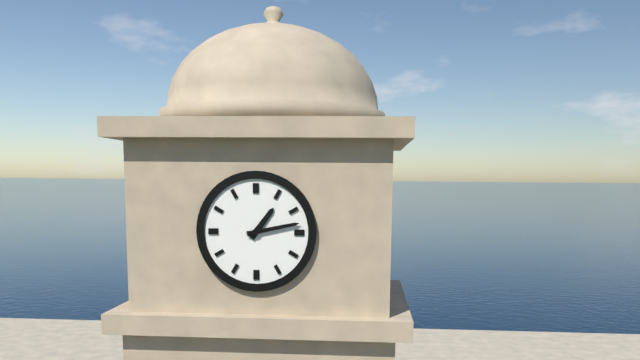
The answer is 1:13
